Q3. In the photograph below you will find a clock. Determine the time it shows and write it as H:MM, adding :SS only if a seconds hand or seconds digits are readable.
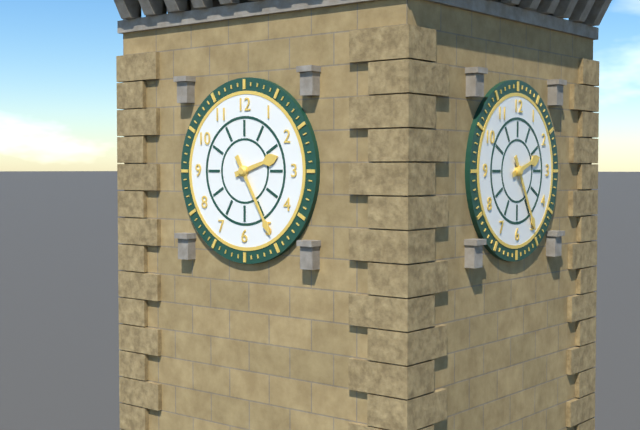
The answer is 2:25
